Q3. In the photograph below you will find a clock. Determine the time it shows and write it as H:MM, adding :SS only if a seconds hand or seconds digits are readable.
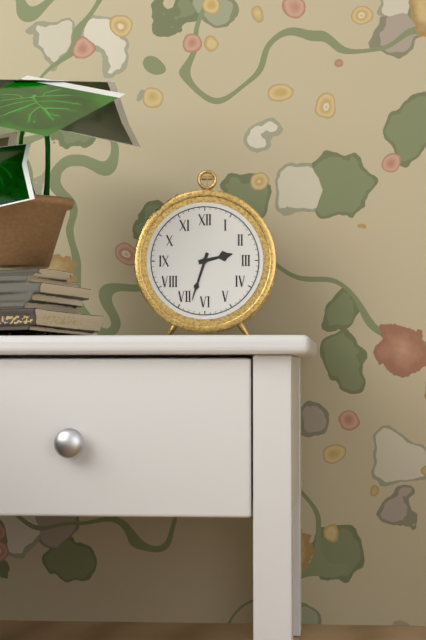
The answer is 2:33
